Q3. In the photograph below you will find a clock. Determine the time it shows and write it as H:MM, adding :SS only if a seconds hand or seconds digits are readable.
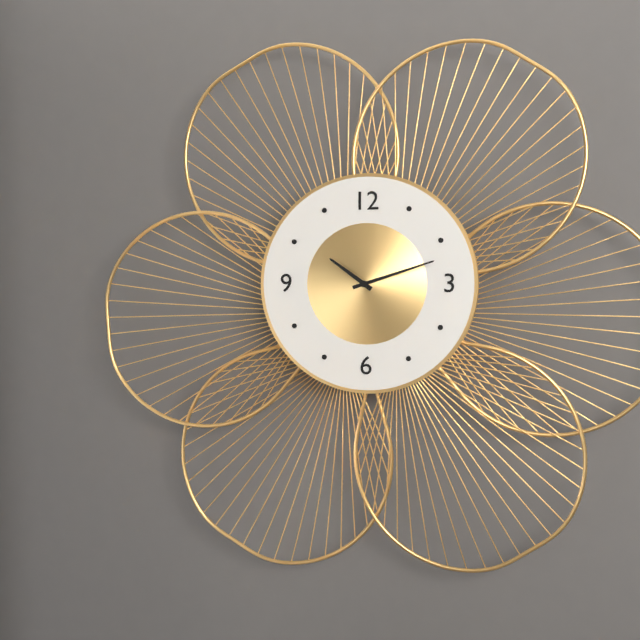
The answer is 10:12
